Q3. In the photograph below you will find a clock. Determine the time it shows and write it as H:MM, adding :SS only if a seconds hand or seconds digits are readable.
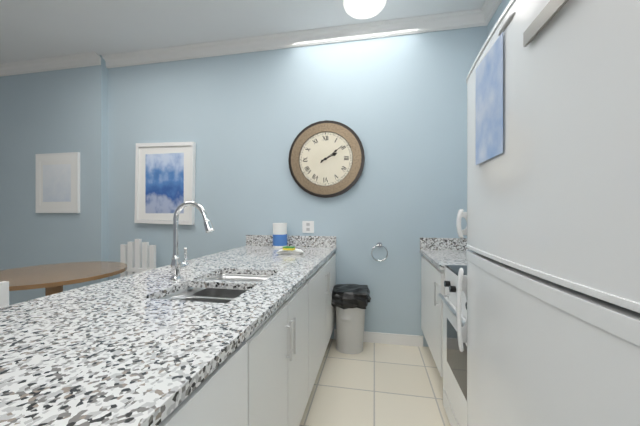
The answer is 2:09
